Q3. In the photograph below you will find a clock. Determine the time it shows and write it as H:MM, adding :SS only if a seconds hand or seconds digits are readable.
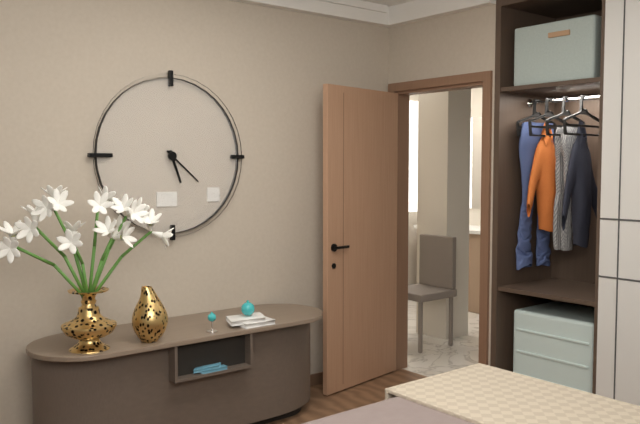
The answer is 5:22
